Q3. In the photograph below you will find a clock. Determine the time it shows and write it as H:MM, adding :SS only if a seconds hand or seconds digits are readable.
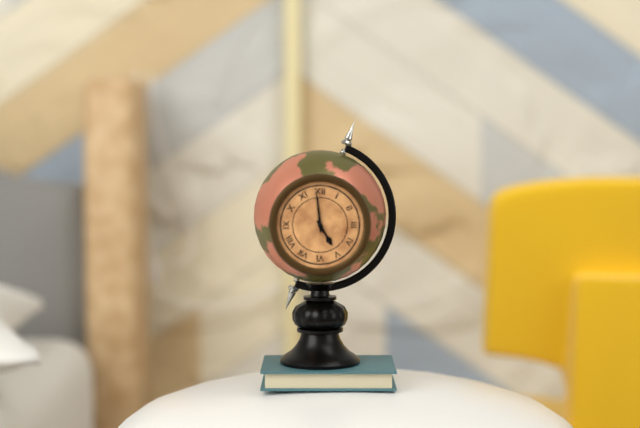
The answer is 4:59
